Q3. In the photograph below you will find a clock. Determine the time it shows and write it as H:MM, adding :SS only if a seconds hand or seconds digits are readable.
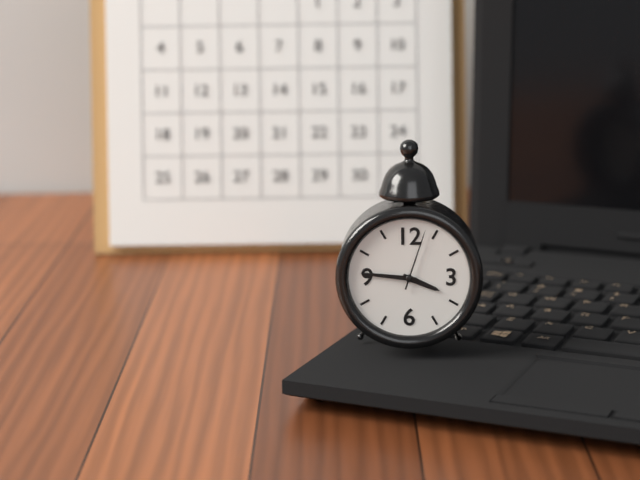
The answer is 3:46:03
